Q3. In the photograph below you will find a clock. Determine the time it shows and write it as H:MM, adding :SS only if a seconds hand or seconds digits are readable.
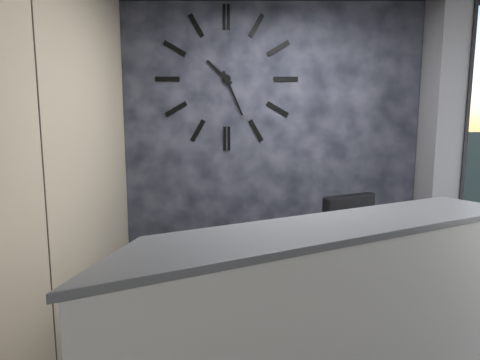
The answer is 10:26
